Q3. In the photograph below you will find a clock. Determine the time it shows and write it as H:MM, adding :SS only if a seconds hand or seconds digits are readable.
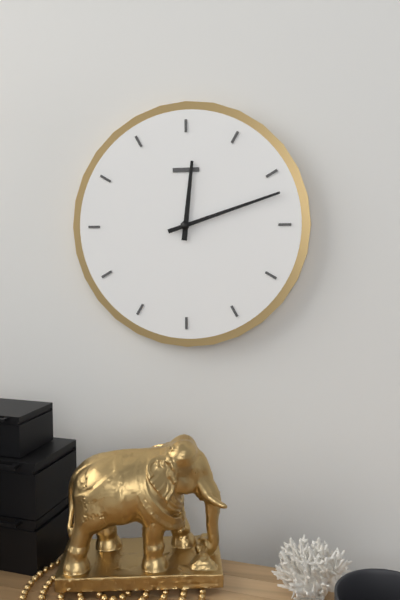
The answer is 12:12
